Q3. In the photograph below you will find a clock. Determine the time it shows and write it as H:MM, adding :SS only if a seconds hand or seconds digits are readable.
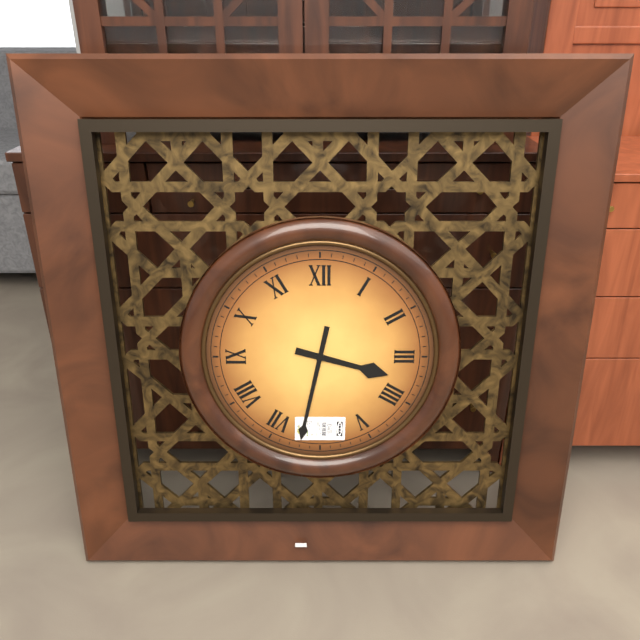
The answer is 3:32
